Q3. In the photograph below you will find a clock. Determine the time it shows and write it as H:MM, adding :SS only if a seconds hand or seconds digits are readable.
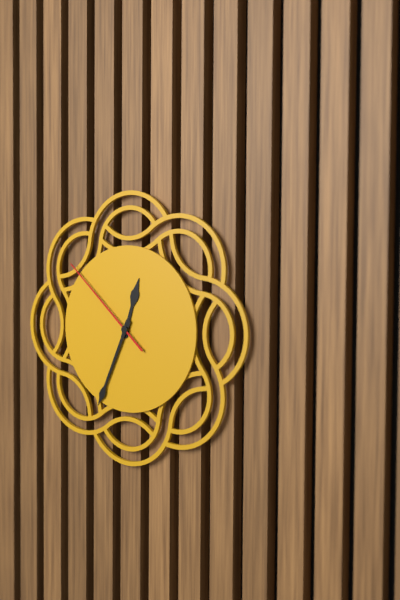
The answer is 12:34:52
